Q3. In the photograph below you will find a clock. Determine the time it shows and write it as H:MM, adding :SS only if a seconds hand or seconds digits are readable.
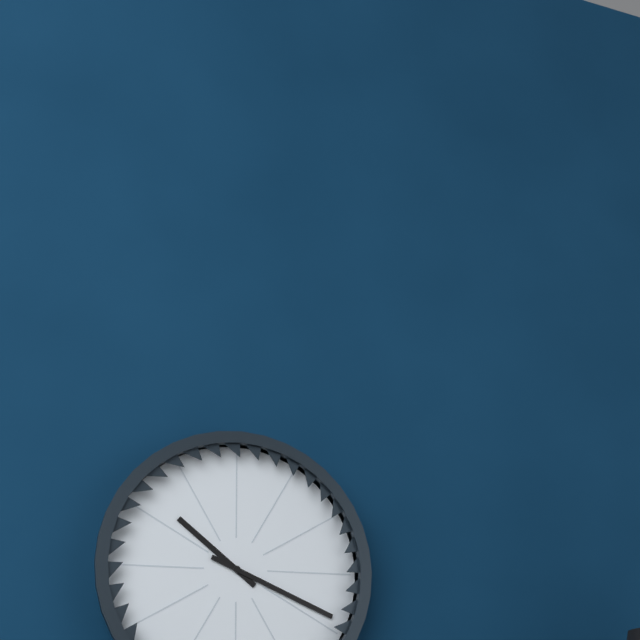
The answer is 10:19
